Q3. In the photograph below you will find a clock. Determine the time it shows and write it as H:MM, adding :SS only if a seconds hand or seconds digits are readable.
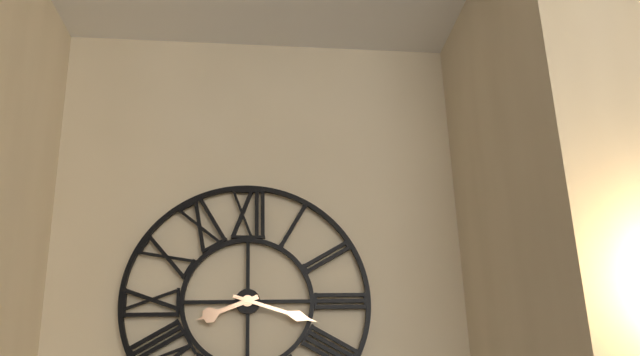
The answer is 8:18
